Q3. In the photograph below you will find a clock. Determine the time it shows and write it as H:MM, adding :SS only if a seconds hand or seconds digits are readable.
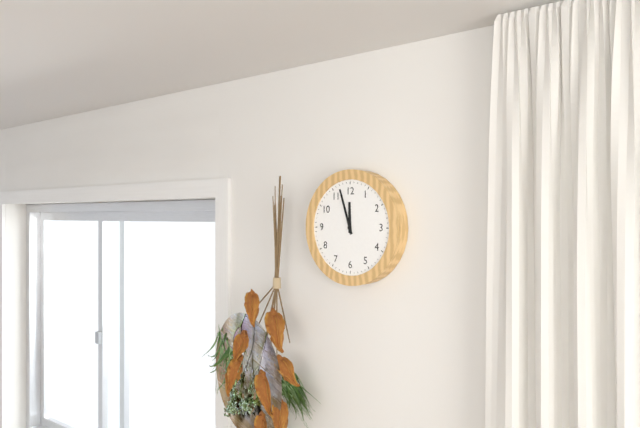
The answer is 11:57
